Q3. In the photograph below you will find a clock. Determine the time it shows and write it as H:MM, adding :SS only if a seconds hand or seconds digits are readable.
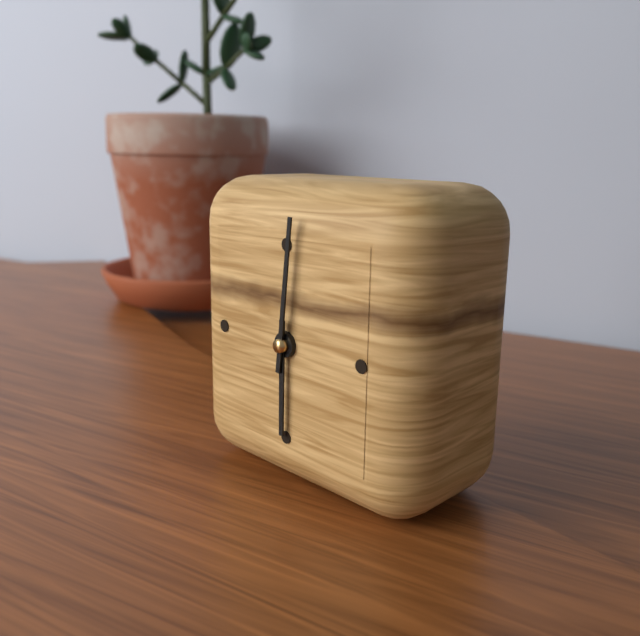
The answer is 6:01
